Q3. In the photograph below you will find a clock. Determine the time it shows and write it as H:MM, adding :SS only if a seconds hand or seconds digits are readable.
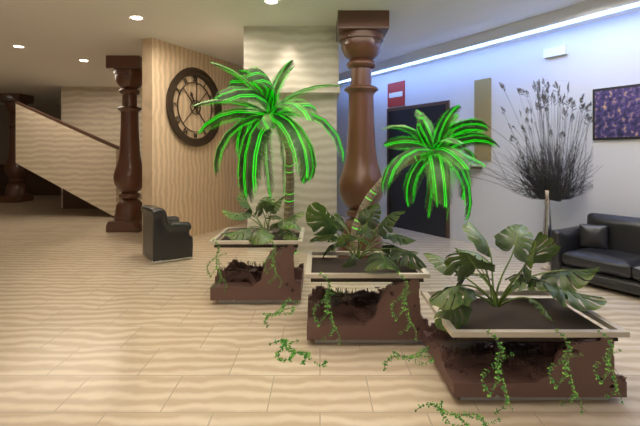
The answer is 11:00
